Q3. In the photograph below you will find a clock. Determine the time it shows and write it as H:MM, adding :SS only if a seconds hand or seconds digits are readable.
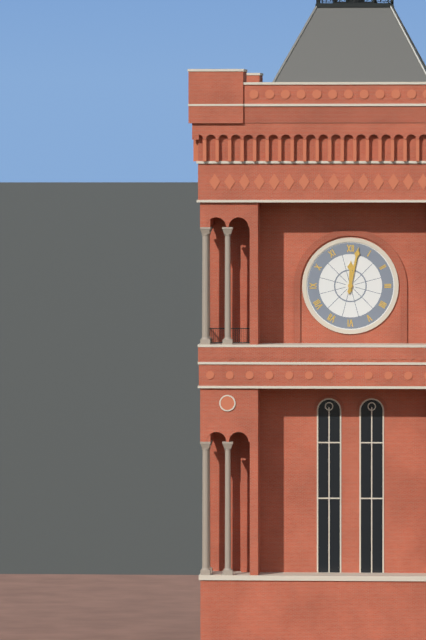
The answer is 12:02
